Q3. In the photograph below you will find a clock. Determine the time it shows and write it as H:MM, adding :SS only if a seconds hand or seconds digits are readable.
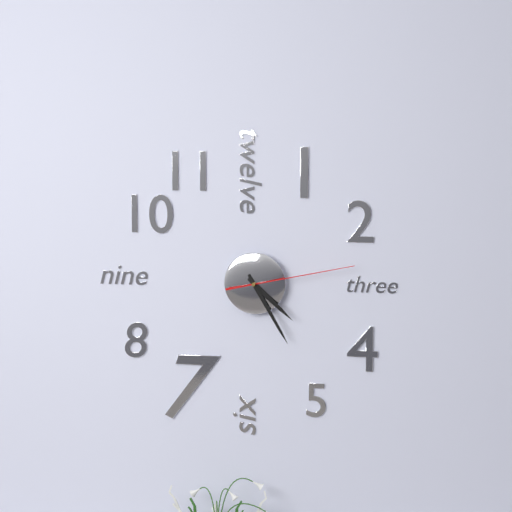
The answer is 4:25:13
